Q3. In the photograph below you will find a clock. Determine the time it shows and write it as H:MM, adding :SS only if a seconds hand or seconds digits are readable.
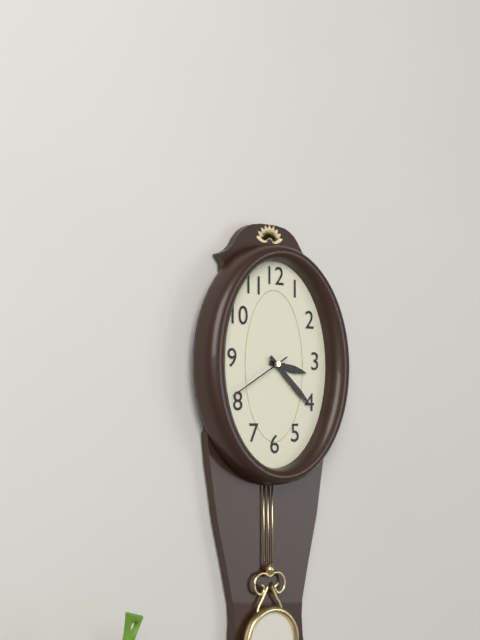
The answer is 3:22:40
